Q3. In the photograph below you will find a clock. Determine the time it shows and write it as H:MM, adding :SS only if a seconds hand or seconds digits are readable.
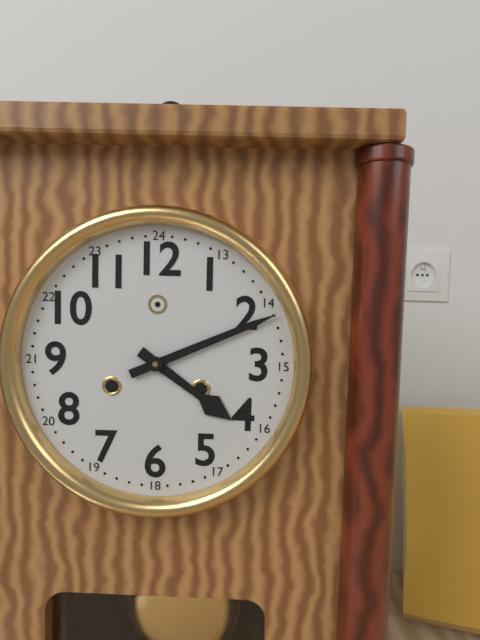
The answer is 4:11
